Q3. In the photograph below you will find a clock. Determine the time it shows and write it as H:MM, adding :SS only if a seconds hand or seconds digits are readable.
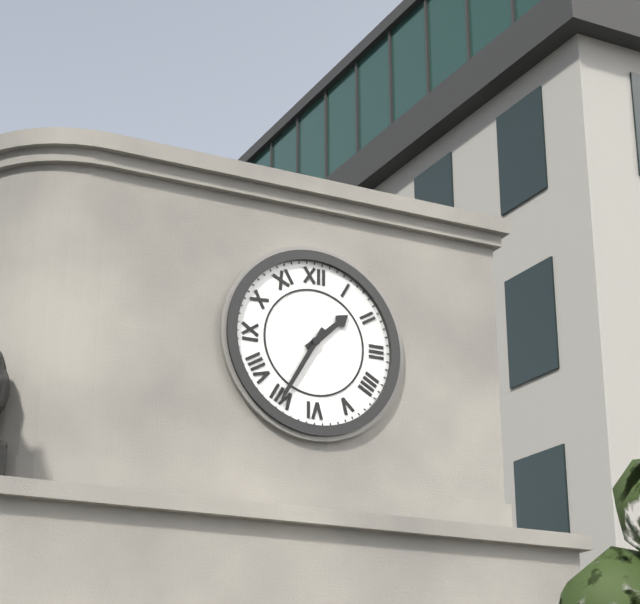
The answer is 1:35
